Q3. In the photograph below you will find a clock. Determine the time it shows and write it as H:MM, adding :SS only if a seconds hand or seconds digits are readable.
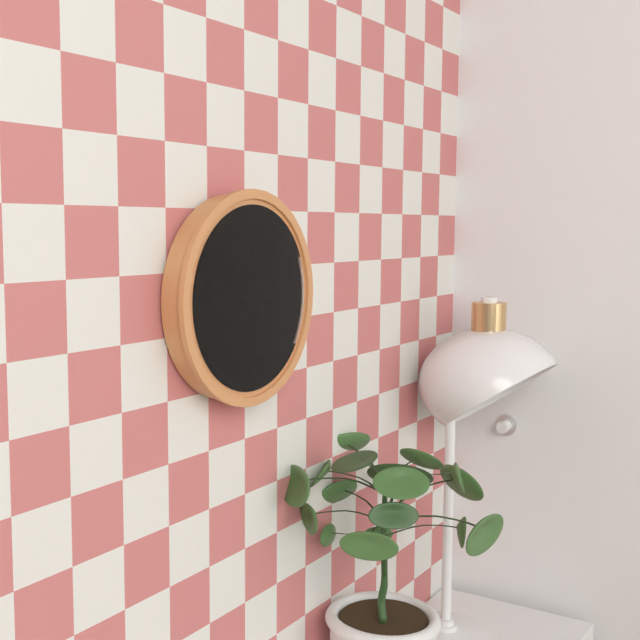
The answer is 8:07
